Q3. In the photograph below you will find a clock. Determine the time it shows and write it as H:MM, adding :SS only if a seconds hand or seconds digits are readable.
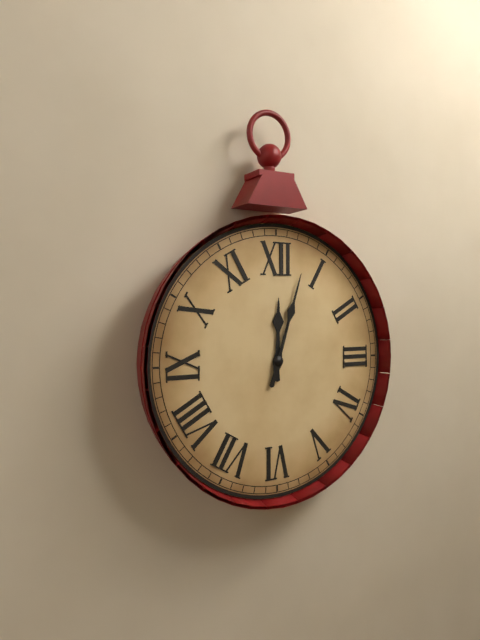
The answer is 12:03
